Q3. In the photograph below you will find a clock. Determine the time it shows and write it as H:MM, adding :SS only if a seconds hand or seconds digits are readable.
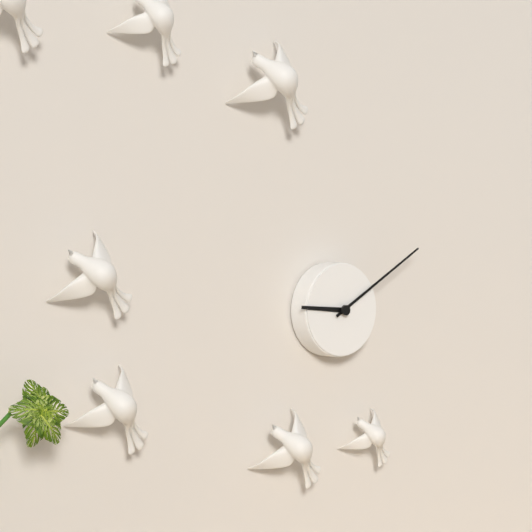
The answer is 9:10
